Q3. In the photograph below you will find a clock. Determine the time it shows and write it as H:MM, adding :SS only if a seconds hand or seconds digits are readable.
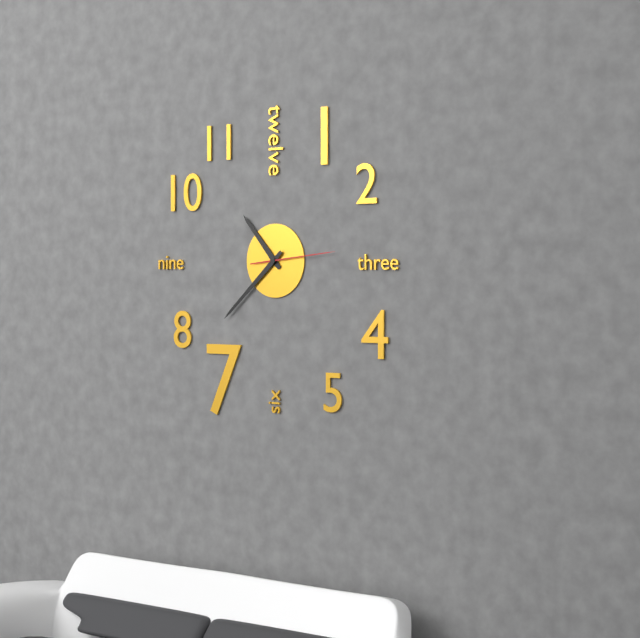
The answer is 10:38:14
